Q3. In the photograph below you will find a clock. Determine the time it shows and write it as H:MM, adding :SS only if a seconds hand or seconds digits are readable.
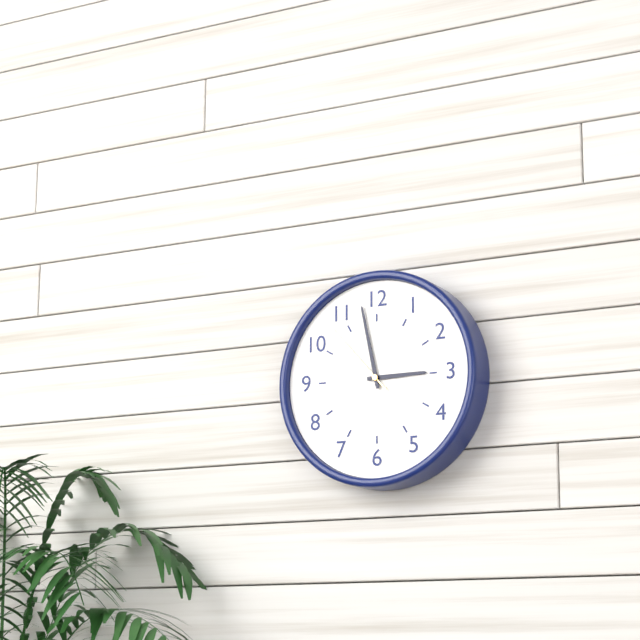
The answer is 2:58:53
